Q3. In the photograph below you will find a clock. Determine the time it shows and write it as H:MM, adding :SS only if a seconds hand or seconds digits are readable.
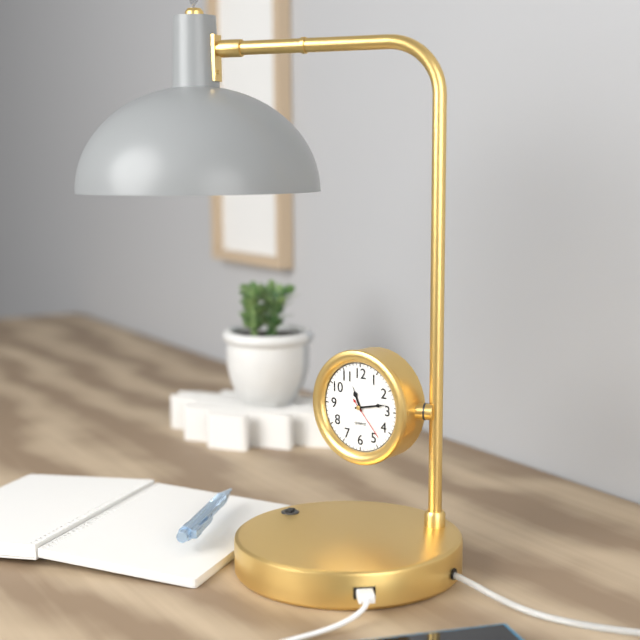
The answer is 11:13
